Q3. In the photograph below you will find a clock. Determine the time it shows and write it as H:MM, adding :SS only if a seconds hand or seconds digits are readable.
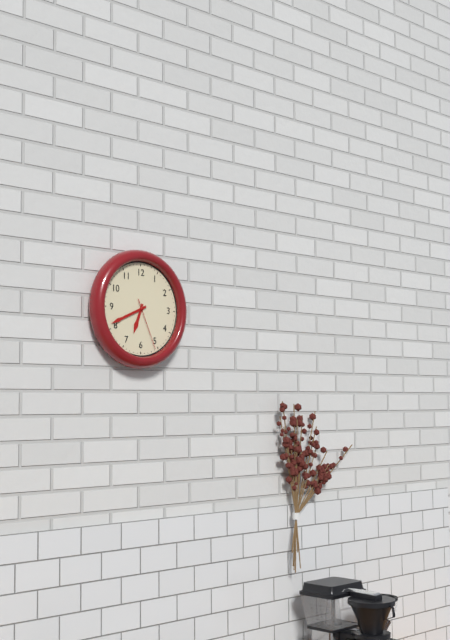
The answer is 6:41:26
